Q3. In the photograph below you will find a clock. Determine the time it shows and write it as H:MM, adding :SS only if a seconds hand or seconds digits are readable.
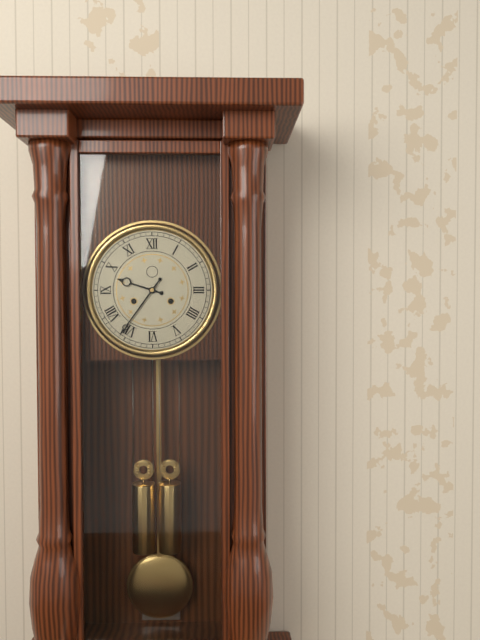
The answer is 9:36
